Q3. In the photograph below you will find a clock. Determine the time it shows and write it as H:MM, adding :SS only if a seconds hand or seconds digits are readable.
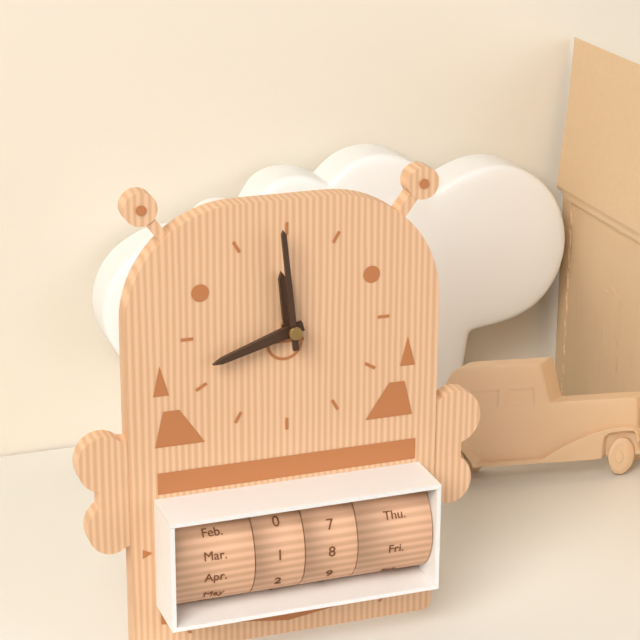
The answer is 11:42:59
